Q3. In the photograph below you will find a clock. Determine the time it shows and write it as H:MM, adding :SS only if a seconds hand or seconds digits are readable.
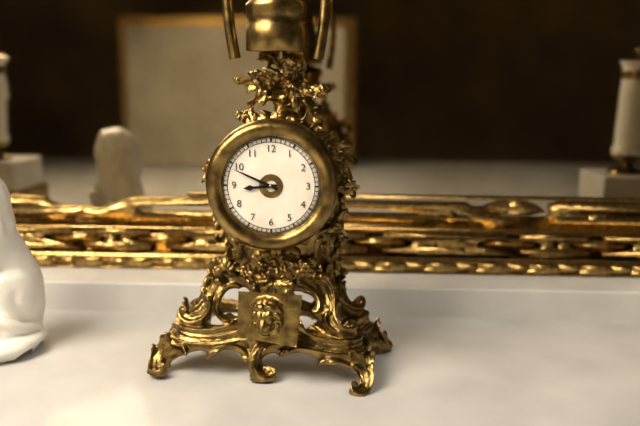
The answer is 8:49
